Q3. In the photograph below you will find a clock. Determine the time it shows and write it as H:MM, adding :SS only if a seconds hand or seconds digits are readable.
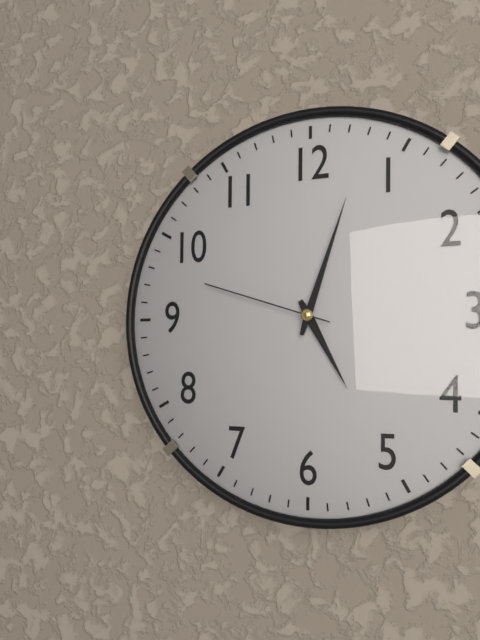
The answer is 5:03:48
